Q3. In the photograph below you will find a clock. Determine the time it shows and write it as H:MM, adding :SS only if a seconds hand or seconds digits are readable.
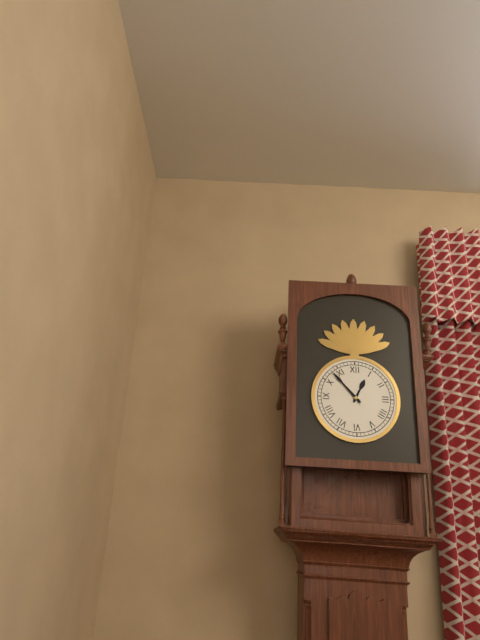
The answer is 12:53
